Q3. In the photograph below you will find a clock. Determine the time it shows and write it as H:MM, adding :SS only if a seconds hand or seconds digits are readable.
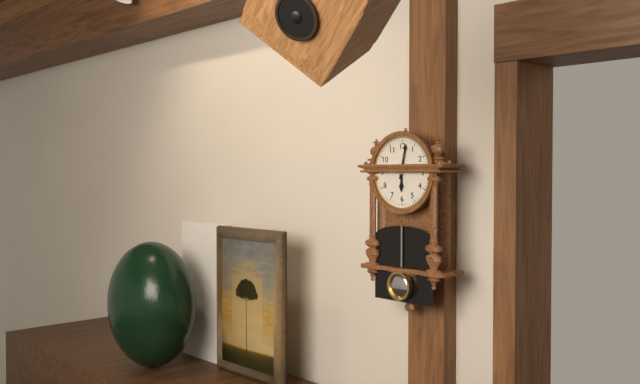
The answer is 6:02
